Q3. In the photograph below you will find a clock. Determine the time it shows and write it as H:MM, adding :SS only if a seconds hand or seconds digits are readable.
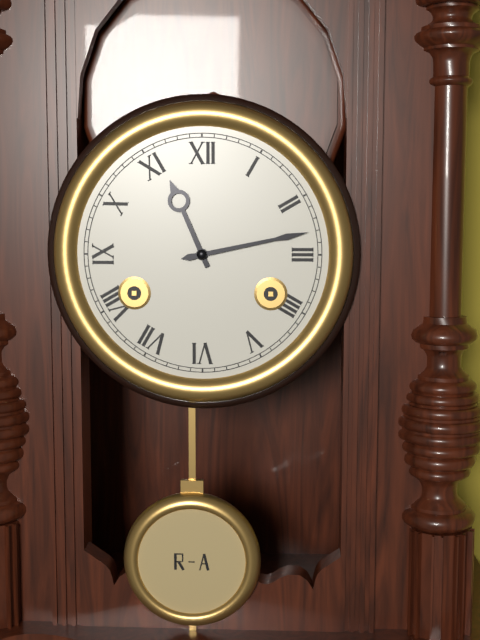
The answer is 11:13
